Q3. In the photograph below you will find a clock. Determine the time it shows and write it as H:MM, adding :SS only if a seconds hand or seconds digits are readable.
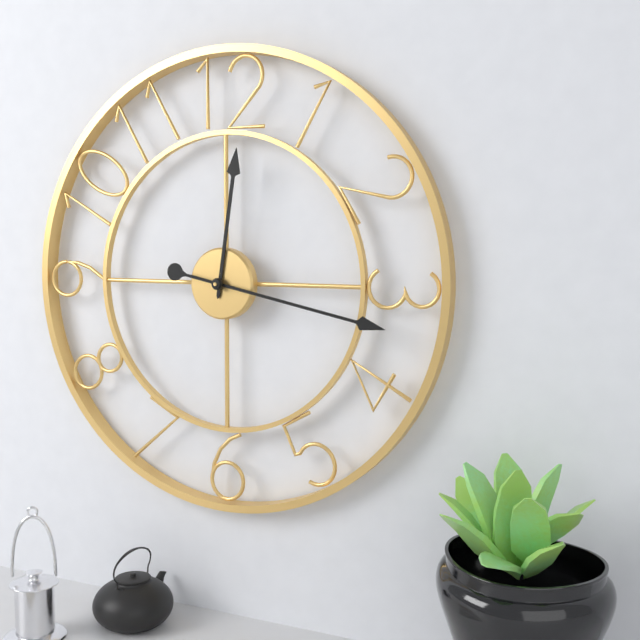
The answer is 12:17
